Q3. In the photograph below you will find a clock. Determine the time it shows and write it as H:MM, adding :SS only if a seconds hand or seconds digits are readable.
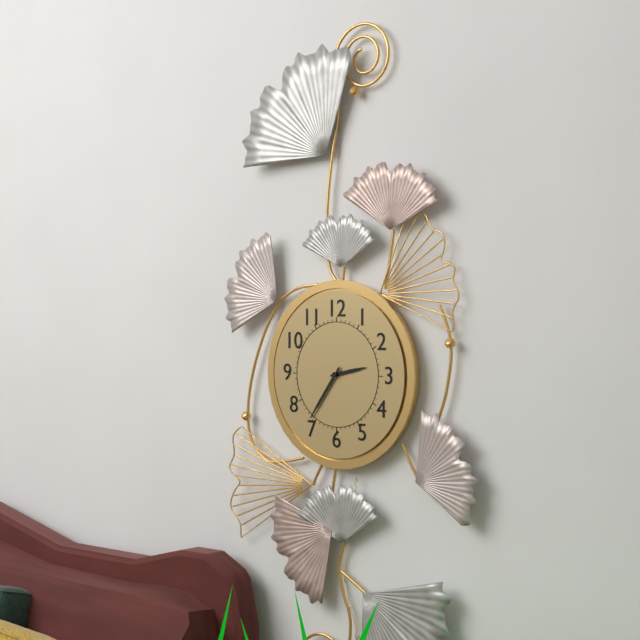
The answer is 2:36
